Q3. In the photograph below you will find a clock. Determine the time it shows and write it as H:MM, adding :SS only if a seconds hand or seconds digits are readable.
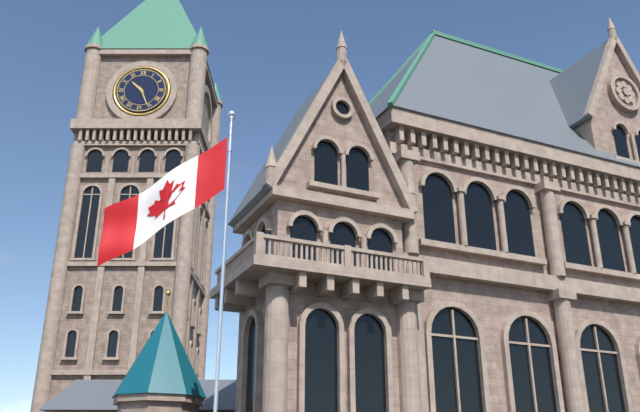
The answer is 10:26
